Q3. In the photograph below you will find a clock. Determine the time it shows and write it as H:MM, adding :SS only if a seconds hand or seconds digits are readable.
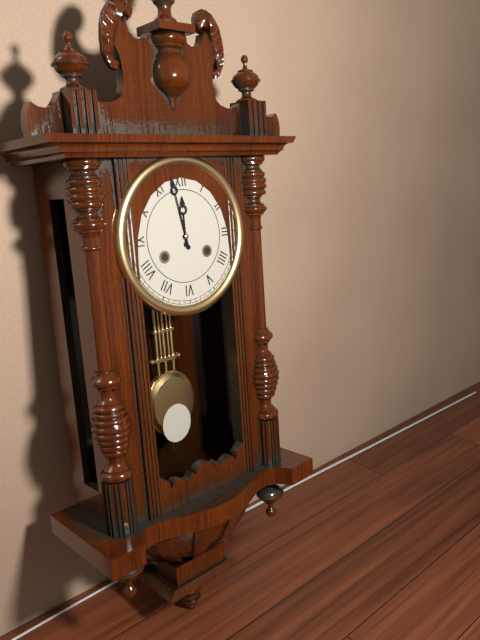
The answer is 11:58
